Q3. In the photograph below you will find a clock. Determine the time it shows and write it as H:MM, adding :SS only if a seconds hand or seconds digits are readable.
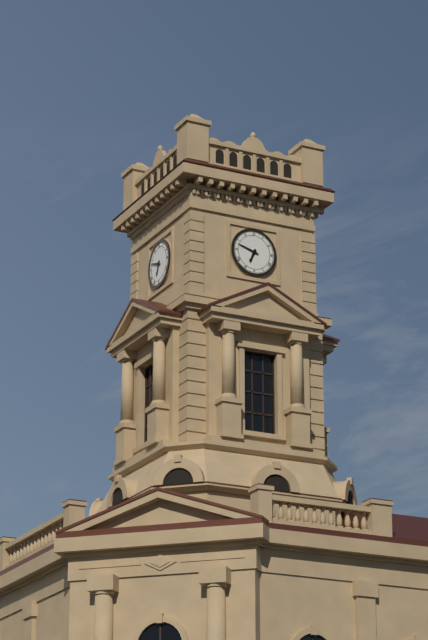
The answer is 6:48
